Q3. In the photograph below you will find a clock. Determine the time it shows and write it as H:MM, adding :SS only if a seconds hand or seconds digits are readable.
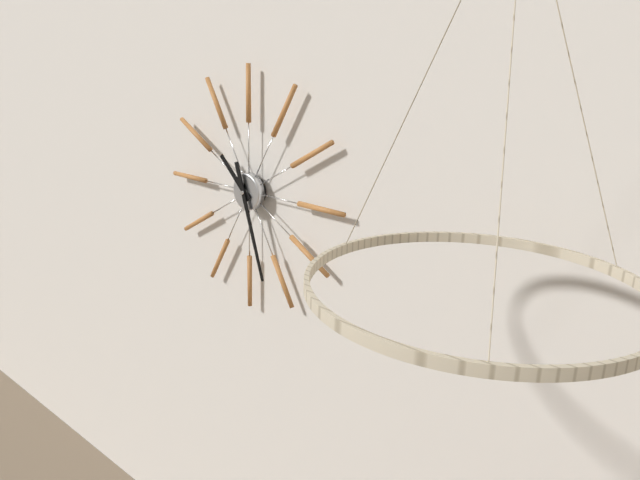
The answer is 10:27
